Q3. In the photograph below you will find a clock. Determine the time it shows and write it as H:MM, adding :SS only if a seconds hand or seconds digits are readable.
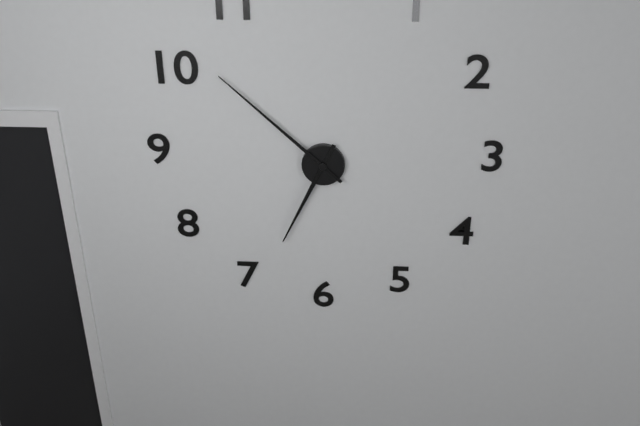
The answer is 6:52
